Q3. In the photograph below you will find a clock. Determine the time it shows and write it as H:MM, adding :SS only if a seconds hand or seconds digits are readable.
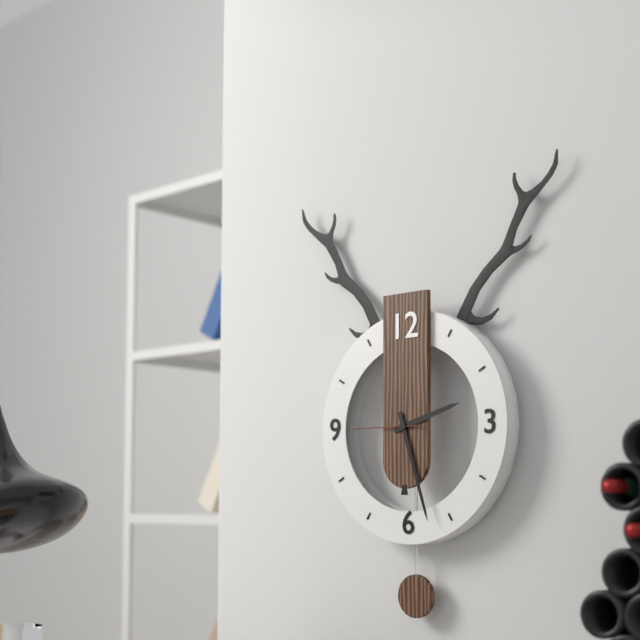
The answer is 2:27:45
